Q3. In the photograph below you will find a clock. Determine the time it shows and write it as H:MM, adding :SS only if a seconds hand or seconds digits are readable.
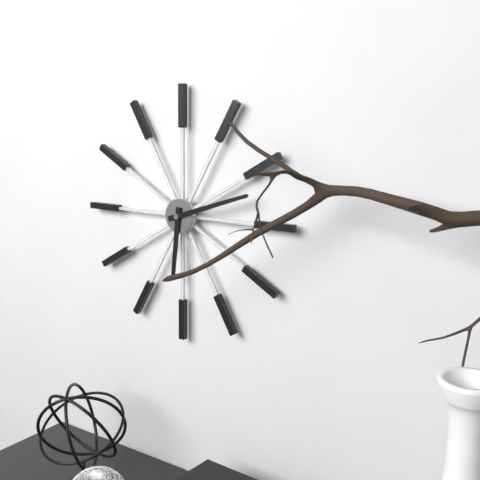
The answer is 6:12
